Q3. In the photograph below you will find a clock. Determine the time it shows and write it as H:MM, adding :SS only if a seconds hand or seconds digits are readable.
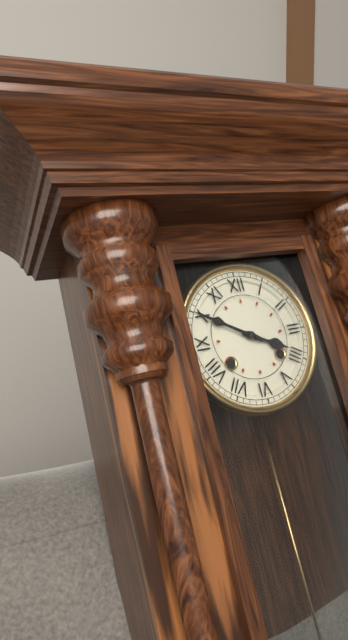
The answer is 3:50
